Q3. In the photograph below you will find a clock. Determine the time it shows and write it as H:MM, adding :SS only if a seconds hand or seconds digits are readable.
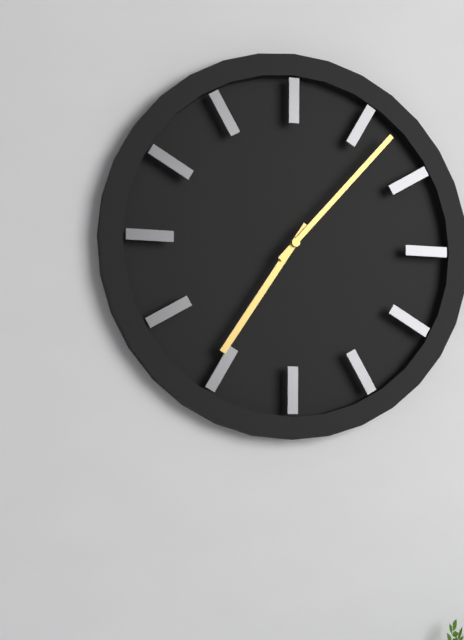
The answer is 7:07
